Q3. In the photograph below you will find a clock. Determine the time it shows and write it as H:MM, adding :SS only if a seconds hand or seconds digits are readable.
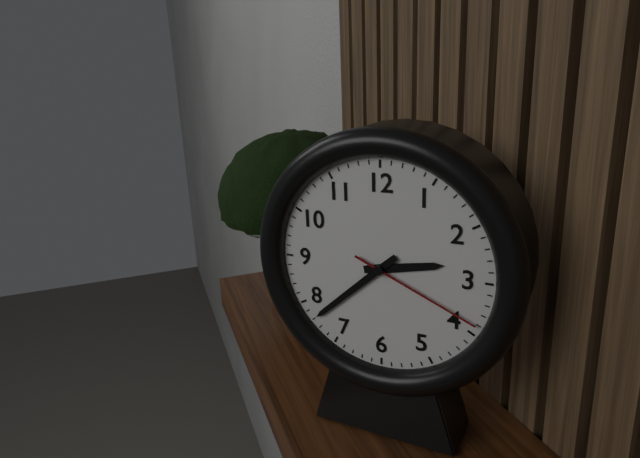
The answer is 2:38:19
